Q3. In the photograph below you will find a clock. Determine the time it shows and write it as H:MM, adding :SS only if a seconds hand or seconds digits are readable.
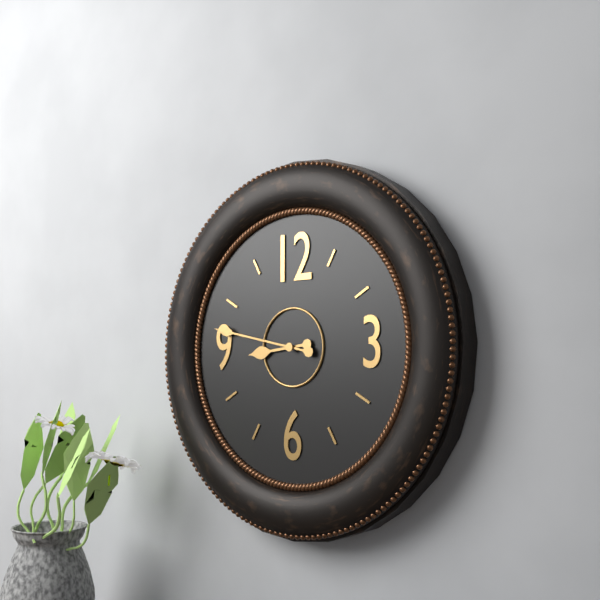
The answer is 8:47
